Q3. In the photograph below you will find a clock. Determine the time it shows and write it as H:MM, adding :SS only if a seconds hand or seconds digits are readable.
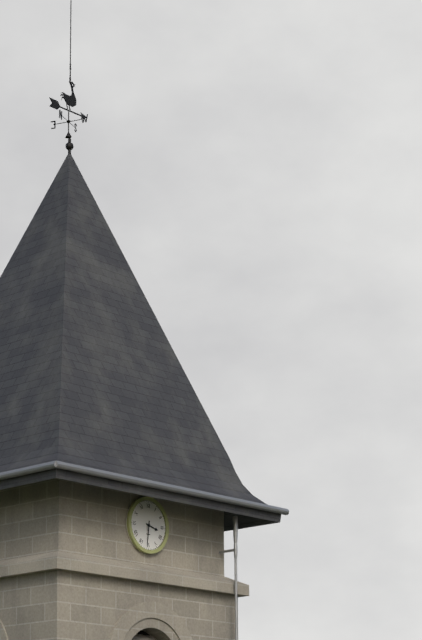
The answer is 3:31
